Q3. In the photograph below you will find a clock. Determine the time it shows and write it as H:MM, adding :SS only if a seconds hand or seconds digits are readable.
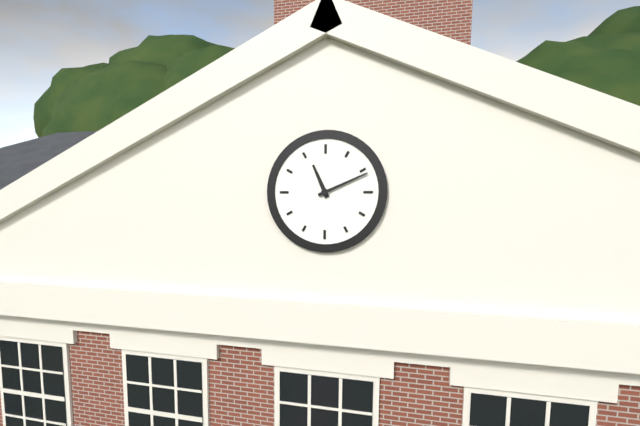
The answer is 11:11
